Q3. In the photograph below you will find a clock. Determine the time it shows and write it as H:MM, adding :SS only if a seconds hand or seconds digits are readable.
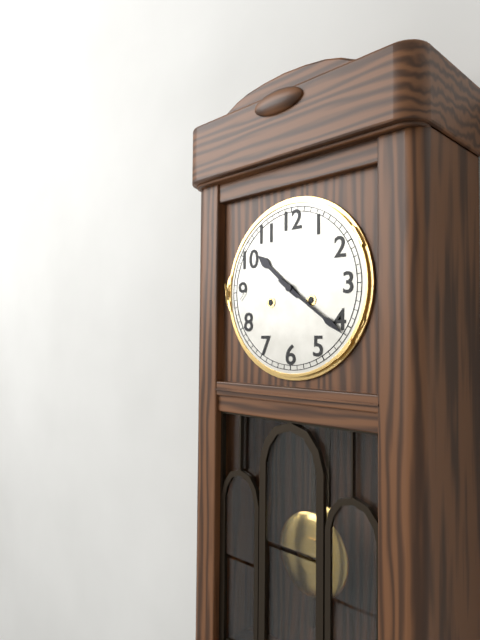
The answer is 10:21
